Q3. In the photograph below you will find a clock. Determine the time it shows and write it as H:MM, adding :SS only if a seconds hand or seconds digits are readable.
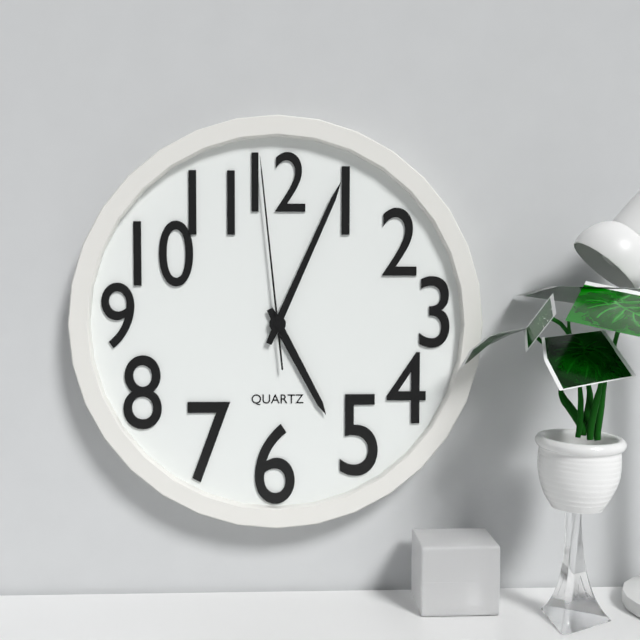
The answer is 5:04:59
